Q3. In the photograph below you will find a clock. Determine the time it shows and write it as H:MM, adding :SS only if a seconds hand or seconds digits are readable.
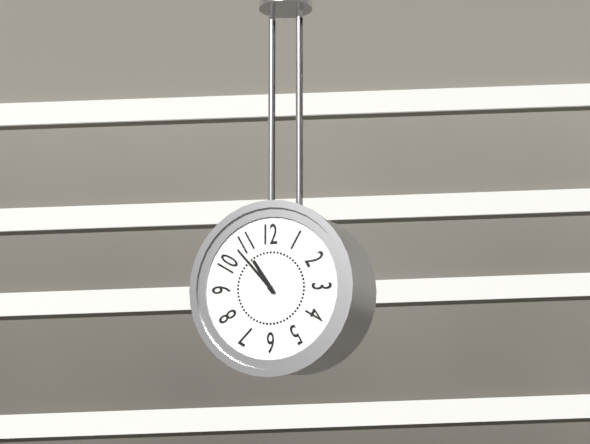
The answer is 10:53
